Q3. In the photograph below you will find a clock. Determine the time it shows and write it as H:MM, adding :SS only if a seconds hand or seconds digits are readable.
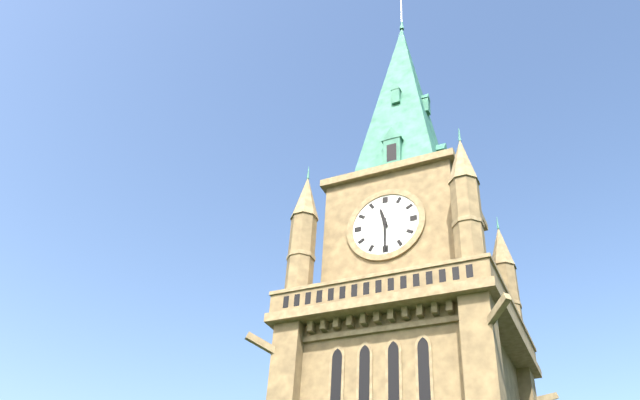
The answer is 11:30
